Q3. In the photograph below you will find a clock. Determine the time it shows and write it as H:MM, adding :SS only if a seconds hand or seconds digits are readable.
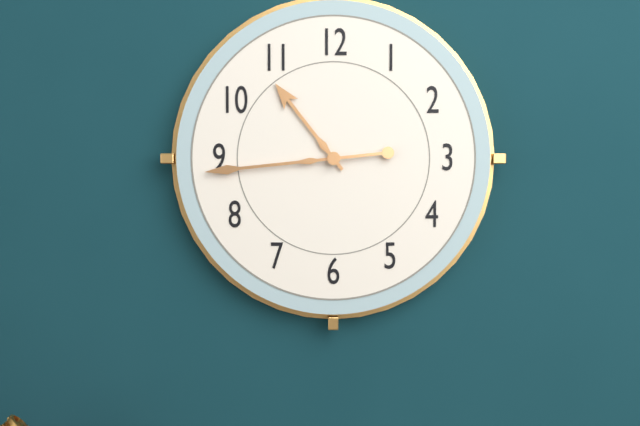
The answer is 10:44
